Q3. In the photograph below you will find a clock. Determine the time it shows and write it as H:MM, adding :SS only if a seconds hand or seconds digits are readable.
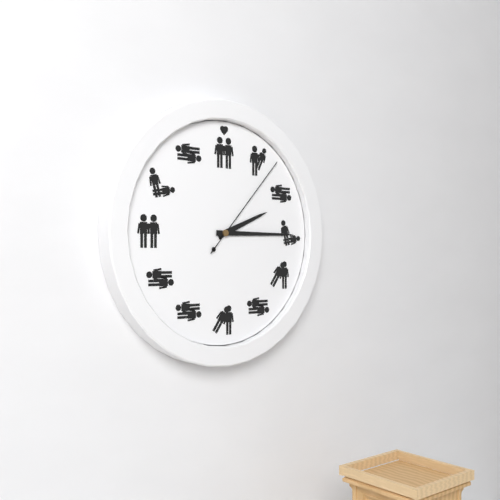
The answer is 2:15:07
